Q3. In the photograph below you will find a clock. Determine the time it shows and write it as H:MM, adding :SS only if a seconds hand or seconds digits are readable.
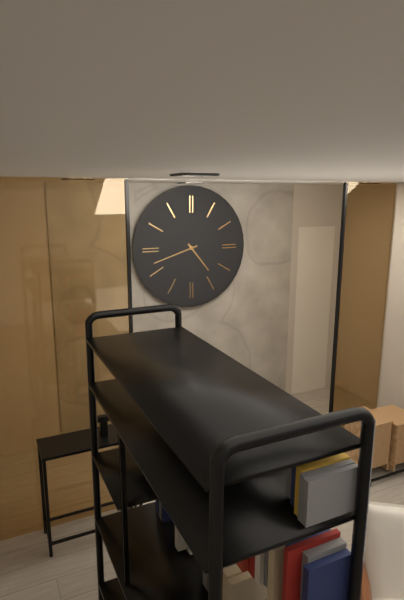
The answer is 4:42
